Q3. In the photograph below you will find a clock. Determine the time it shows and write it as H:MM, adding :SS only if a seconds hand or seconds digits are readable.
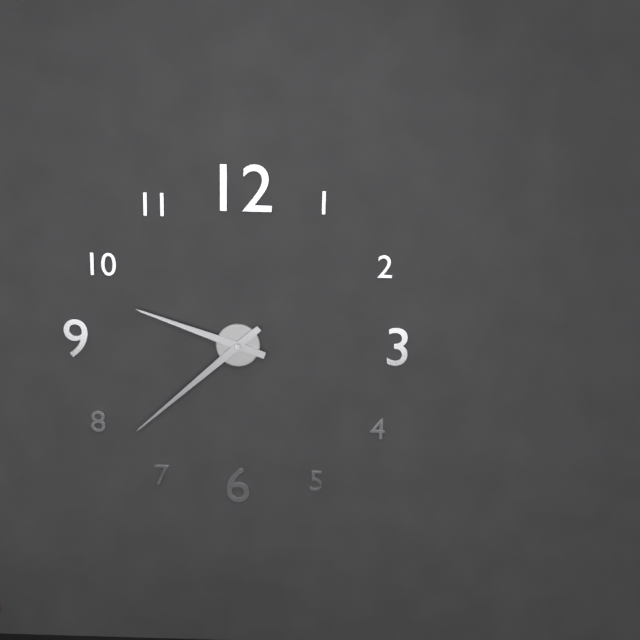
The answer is 9:38
